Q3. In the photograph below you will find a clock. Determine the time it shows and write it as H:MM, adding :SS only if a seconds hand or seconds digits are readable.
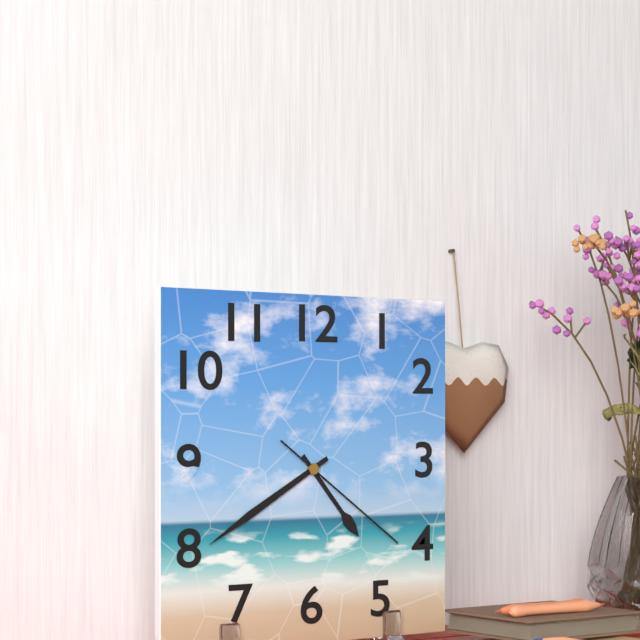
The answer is 4:40:21
